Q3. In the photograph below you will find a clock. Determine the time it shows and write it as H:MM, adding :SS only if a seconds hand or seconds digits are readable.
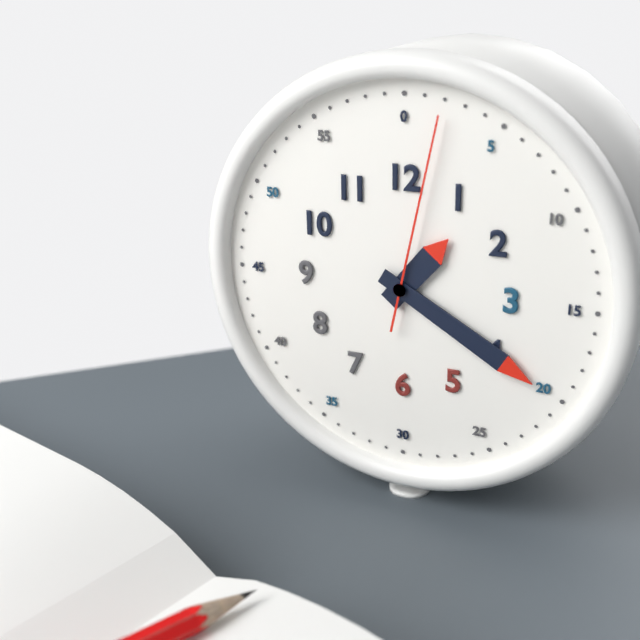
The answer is 1:20:02
